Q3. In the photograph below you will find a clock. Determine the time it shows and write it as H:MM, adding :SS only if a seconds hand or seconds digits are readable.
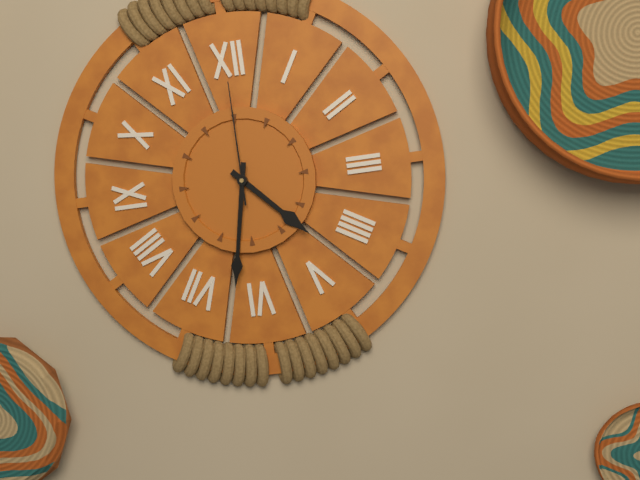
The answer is 4:32:00
